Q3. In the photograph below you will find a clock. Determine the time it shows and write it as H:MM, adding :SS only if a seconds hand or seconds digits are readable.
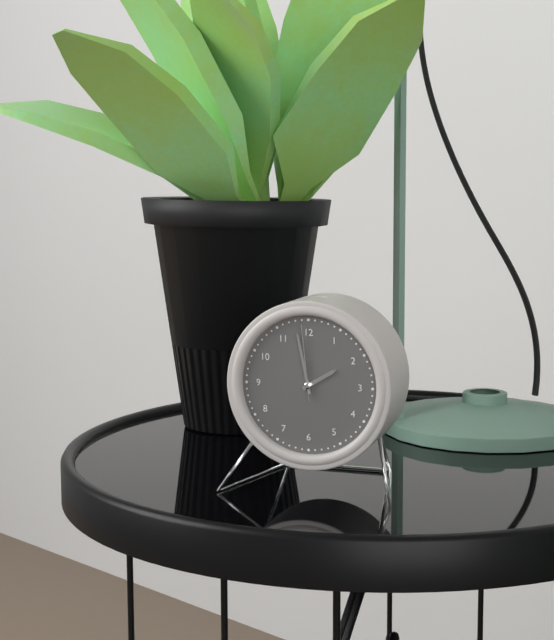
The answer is 1:58:59
